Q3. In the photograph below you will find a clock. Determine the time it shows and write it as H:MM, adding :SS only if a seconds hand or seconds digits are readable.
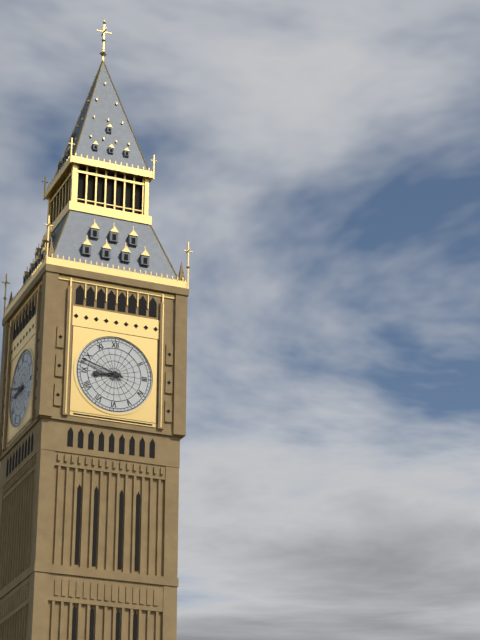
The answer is 8:48
